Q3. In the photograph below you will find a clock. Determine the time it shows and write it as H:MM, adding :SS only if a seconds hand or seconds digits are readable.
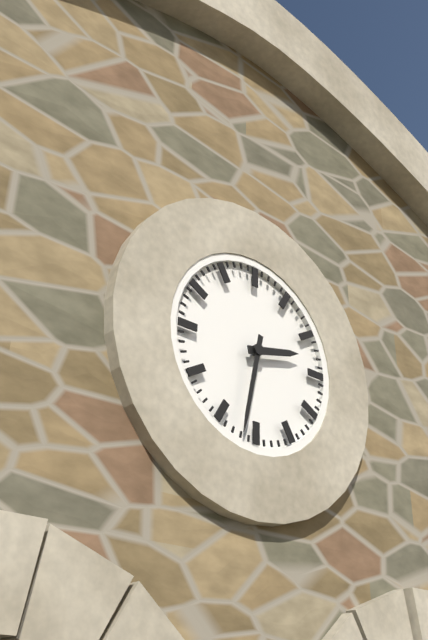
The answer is 2:32
